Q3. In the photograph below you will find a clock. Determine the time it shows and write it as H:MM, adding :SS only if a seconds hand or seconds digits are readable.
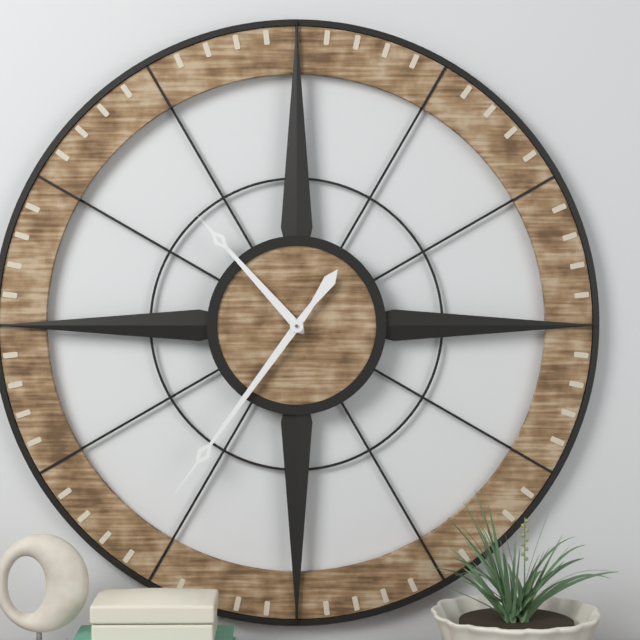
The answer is 10:36
